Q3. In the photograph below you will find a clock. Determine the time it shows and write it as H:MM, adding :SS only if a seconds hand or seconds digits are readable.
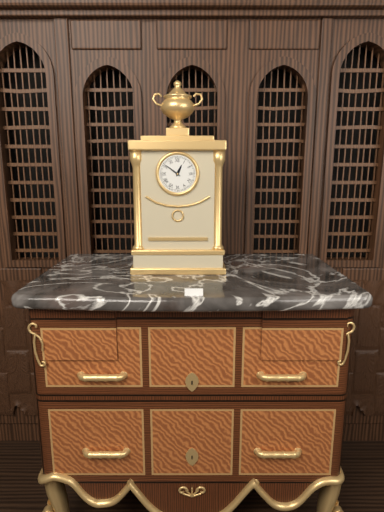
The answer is 12:51
